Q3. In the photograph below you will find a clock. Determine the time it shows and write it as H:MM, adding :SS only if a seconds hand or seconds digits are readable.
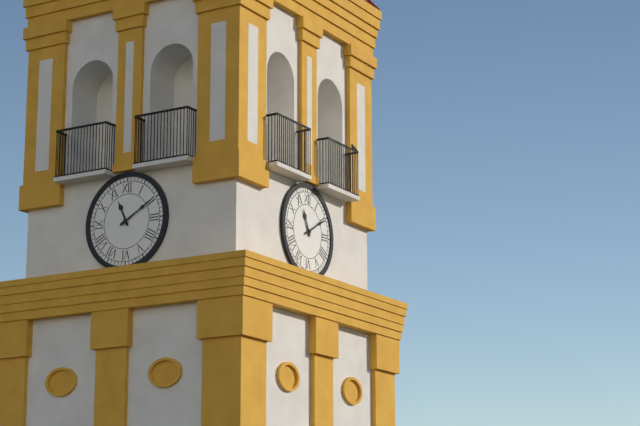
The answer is 11:10
